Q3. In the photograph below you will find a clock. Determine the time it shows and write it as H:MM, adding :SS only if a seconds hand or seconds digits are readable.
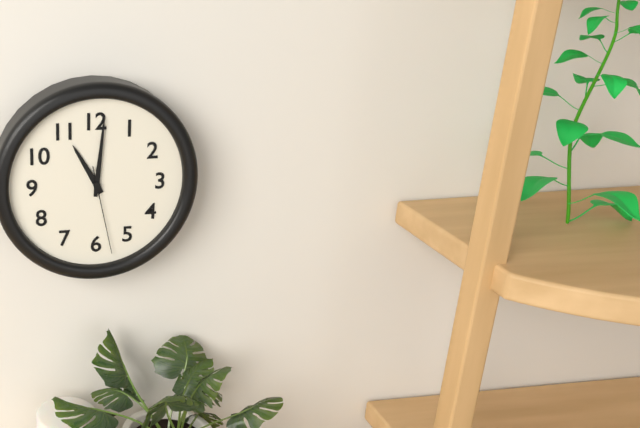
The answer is 11:01:28
